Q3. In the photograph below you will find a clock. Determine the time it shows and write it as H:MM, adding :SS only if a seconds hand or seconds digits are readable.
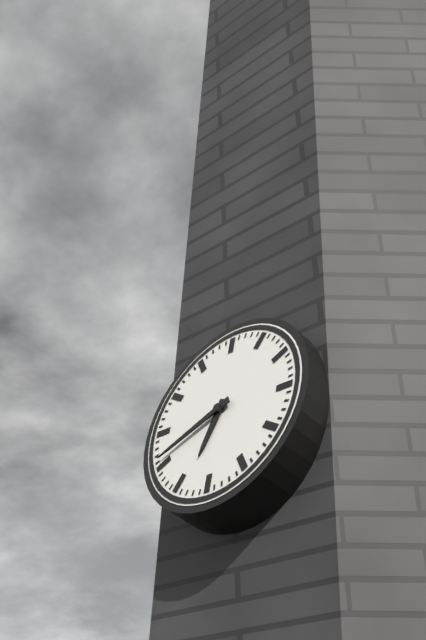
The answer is 6:41
